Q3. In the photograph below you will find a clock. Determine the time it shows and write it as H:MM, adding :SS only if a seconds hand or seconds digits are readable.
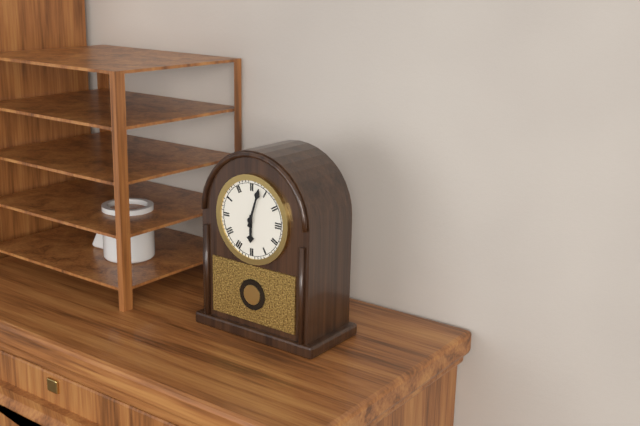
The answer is 6:03
